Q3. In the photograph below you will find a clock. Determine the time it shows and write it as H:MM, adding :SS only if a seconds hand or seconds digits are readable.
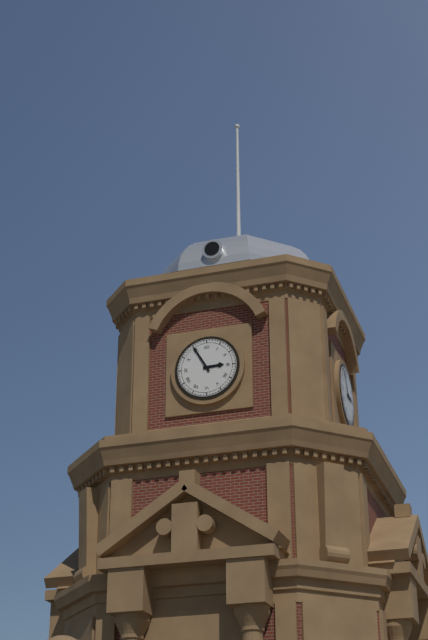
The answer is 2:55
